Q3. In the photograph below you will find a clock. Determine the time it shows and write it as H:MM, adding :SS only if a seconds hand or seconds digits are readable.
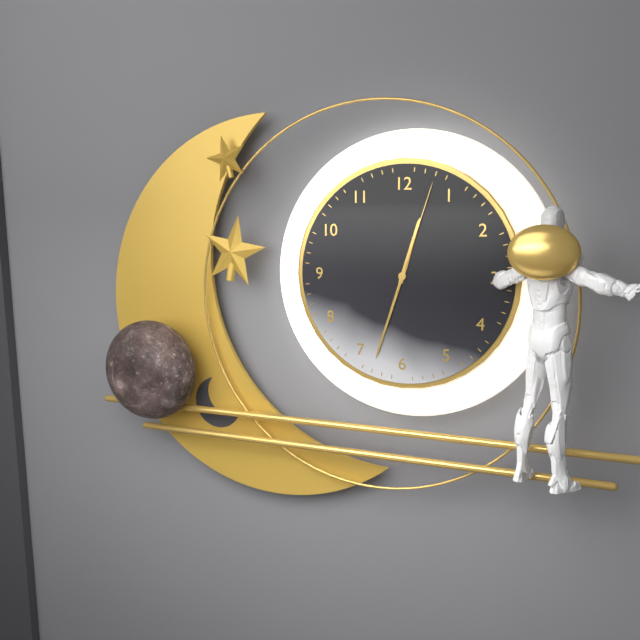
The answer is 12:33:03
